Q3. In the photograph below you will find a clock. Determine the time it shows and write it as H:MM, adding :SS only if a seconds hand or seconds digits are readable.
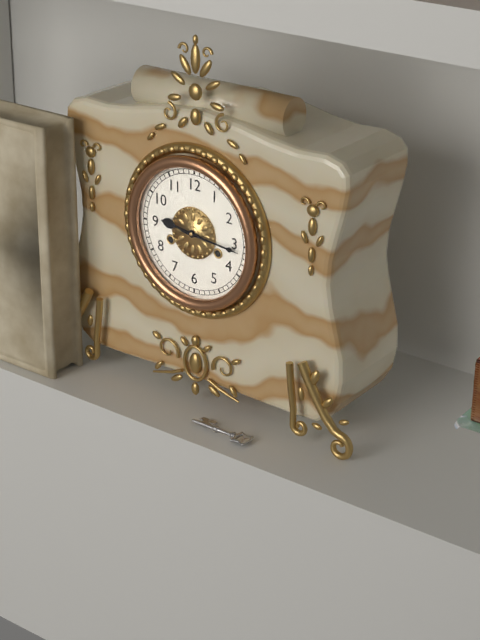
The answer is 9:16
